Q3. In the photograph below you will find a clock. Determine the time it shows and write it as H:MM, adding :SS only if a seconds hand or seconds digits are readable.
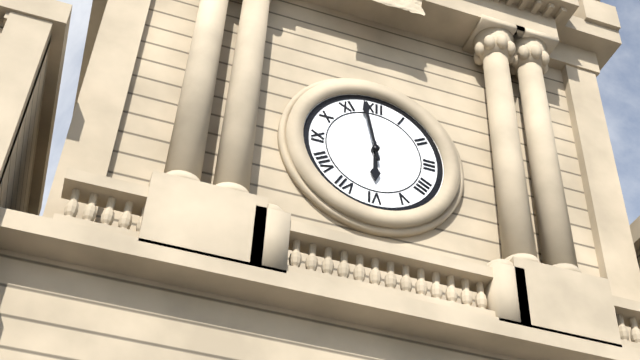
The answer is 5:58
